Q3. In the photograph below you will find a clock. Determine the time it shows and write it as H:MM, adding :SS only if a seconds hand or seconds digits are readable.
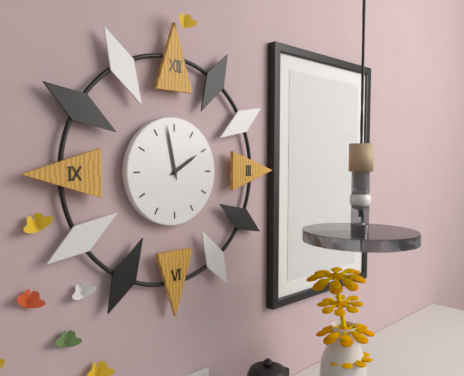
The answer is 1:58
